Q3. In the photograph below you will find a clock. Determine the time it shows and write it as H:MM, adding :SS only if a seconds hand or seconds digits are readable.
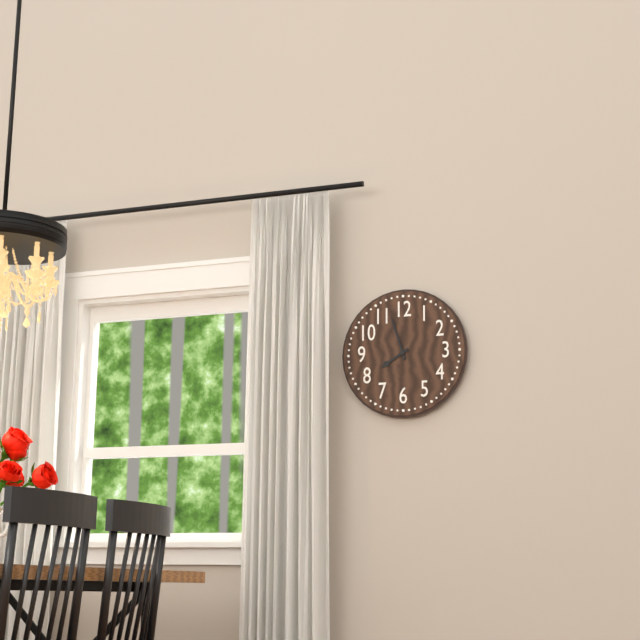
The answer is 7:57
